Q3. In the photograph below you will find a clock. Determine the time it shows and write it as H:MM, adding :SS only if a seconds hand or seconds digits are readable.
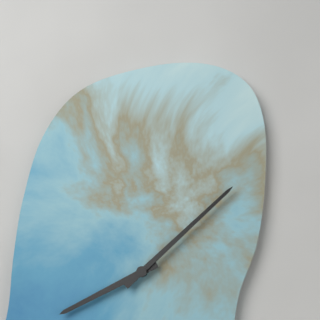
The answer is 8:08
